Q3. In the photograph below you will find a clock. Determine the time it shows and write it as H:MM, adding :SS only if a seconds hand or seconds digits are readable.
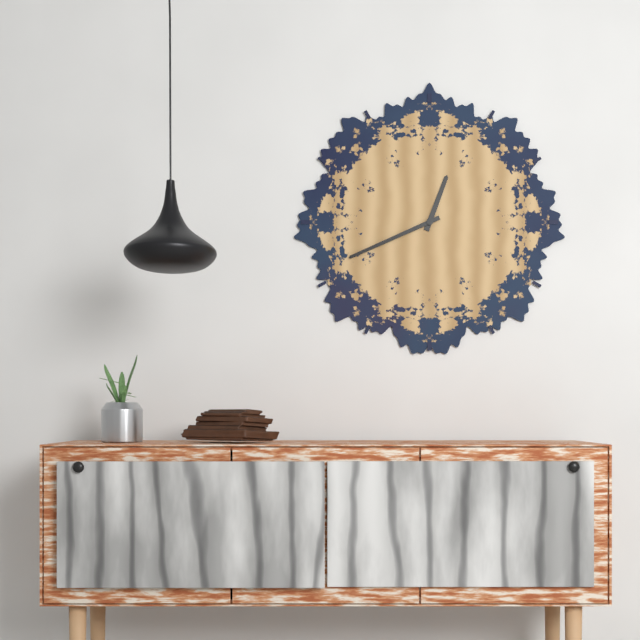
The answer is 12:41
